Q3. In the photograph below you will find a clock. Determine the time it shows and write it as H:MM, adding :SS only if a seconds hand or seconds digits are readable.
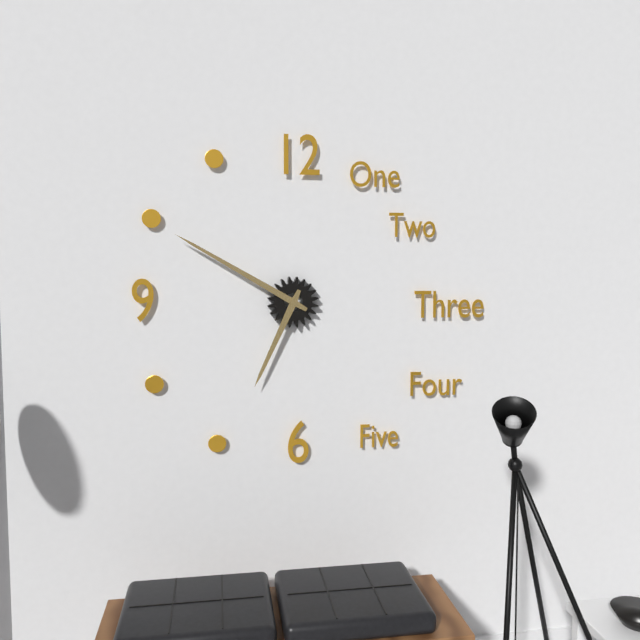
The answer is 6:50
